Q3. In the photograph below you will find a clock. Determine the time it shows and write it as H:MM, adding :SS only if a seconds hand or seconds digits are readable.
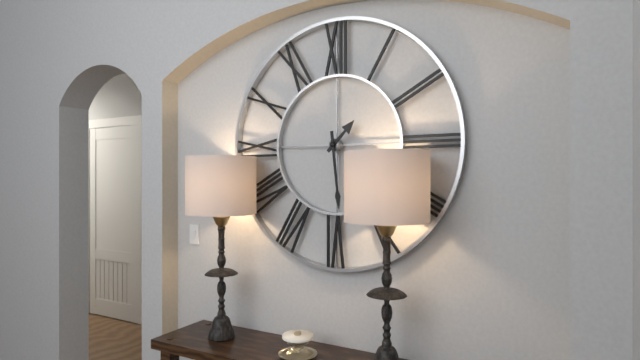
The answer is 1:29
